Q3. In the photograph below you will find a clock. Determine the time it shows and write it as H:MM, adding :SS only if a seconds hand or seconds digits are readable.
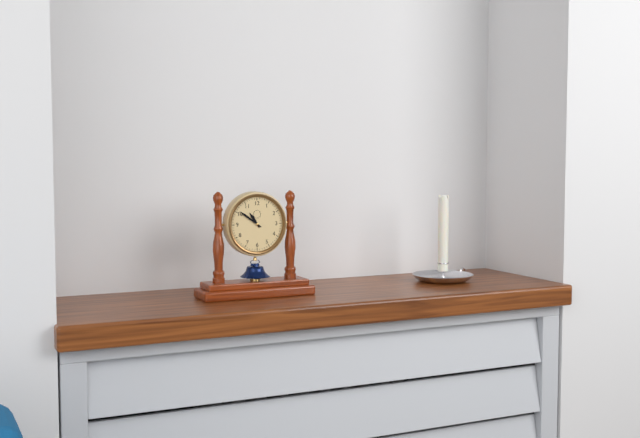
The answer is 10:51
